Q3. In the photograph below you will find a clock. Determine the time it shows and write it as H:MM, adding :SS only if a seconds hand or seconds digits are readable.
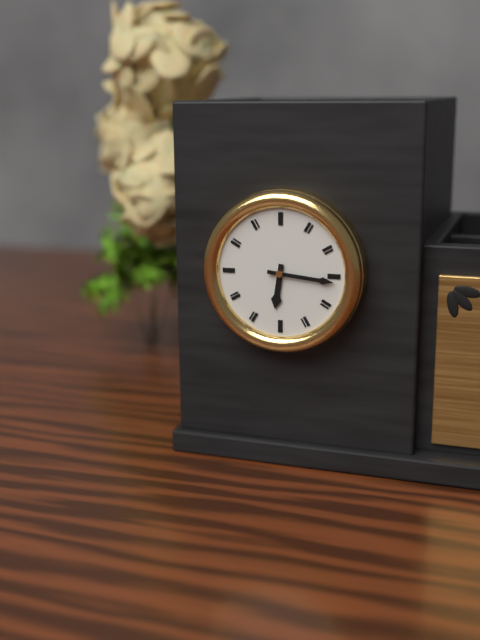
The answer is 6:16
